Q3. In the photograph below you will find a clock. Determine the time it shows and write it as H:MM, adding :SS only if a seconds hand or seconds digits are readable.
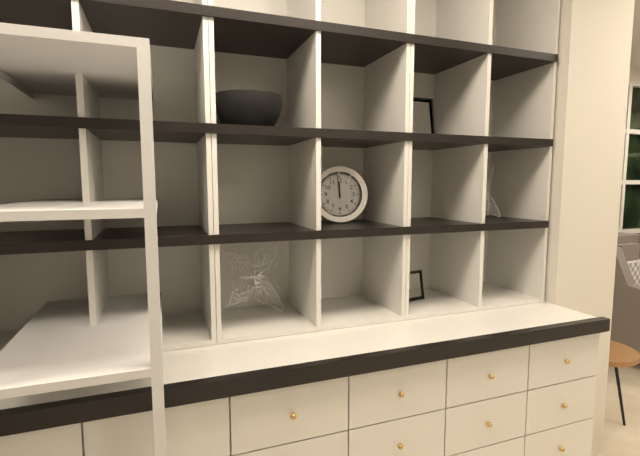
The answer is 11:59
